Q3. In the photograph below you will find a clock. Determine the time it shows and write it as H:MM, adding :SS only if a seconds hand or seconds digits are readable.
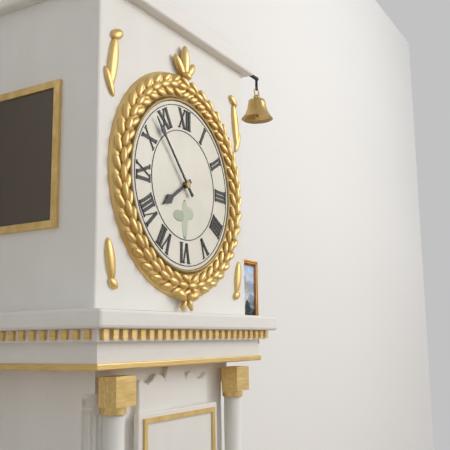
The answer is 7:53
